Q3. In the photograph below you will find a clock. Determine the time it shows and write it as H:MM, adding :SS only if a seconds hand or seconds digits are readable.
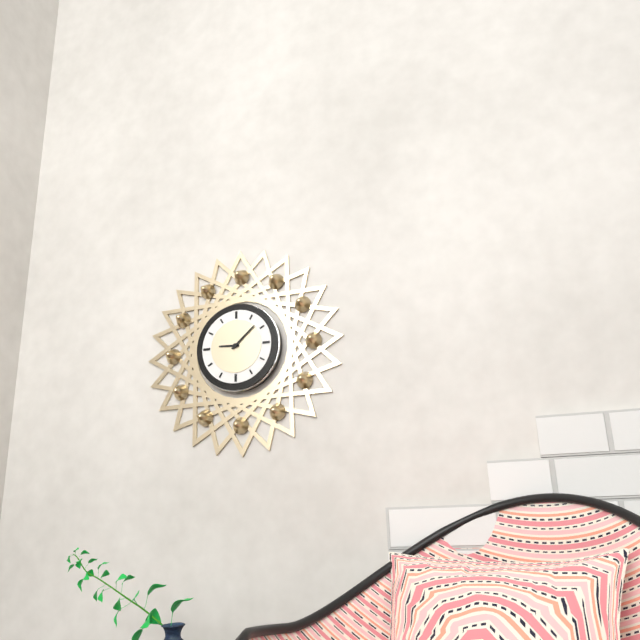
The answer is 9:08
